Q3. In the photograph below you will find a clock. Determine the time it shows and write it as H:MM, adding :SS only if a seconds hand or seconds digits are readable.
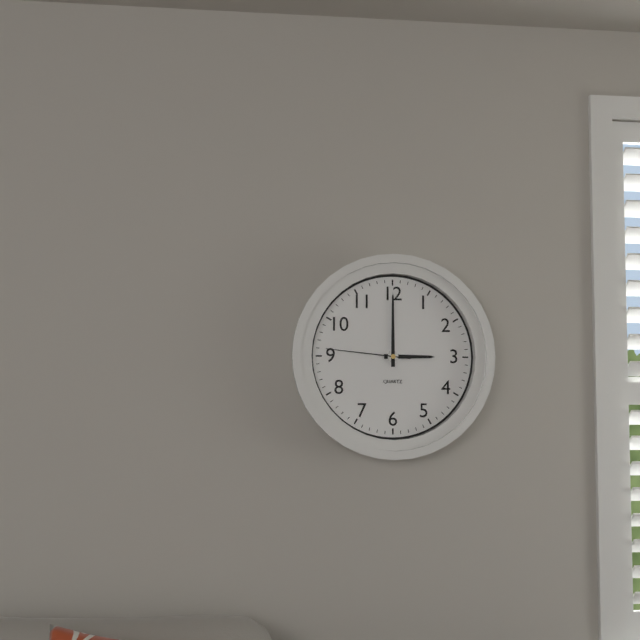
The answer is 3:00:46
